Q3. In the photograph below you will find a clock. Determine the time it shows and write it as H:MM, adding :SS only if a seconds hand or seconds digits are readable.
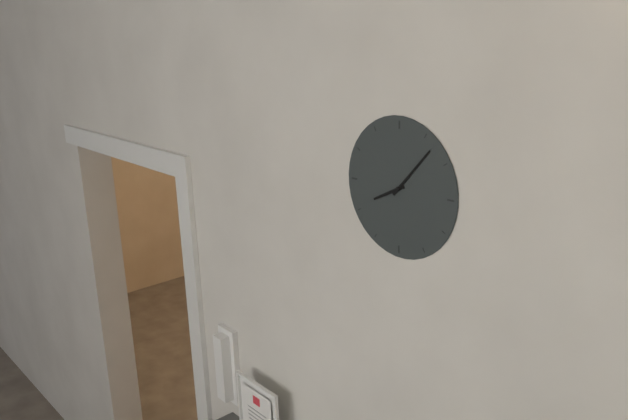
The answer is 8:07
